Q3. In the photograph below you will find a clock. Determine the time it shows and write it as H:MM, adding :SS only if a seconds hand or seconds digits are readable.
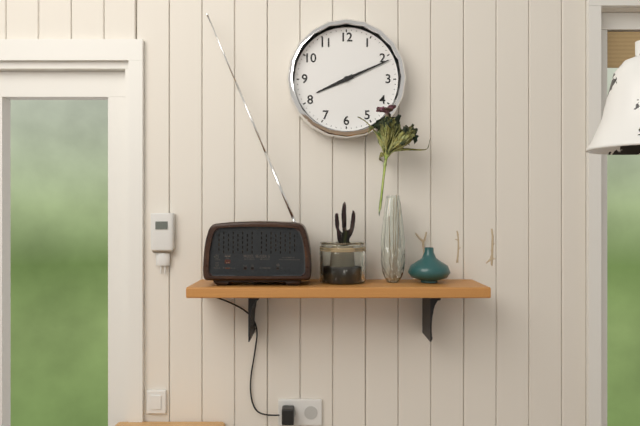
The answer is 8:11
